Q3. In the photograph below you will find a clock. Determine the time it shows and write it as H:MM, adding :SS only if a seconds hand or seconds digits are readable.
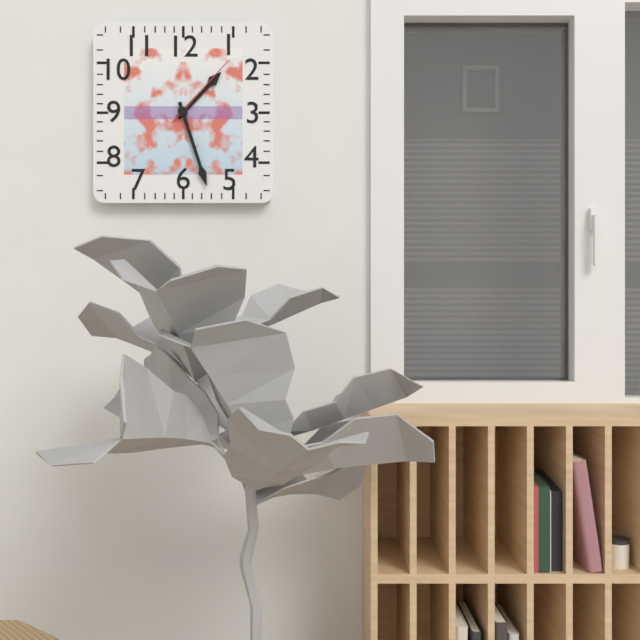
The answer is 1:27:07
